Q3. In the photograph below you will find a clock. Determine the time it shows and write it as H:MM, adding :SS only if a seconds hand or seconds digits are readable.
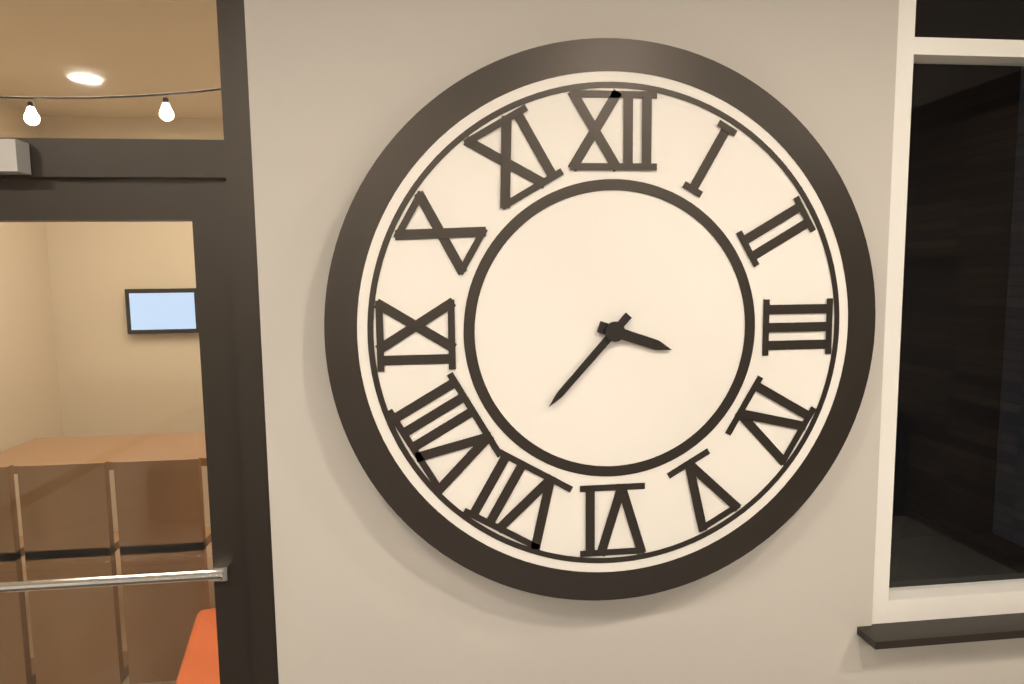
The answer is 3:37
